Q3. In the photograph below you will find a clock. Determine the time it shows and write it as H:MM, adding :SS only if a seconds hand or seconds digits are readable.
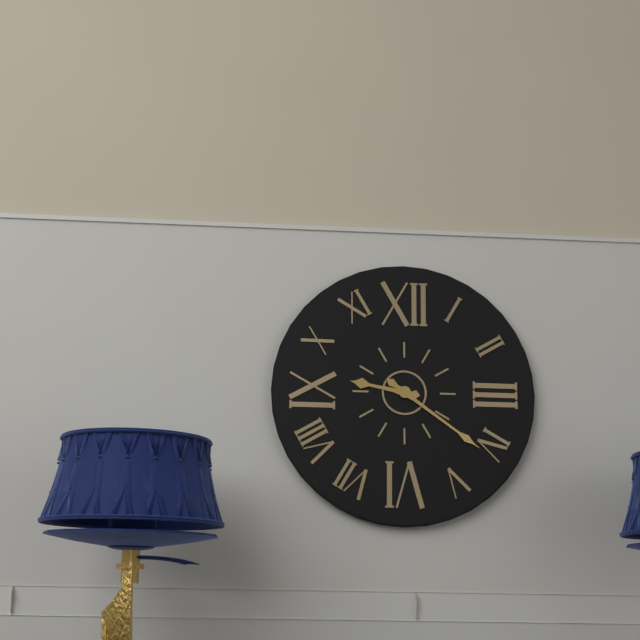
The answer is 9:21
